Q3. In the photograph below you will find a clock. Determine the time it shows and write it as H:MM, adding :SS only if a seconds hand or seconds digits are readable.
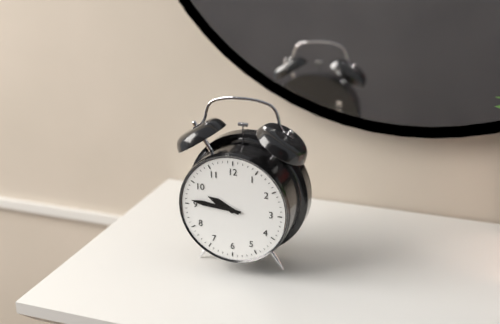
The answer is 9:46
